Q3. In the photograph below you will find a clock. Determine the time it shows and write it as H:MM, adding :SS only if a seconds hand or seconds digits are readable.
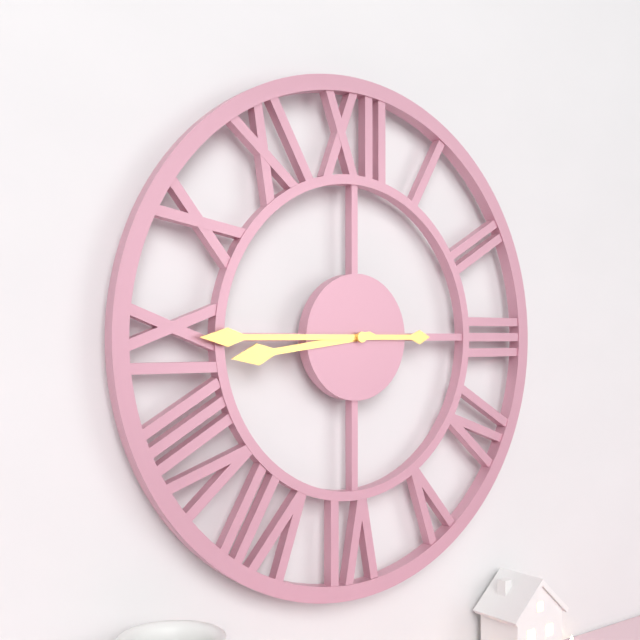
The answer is 8:45
